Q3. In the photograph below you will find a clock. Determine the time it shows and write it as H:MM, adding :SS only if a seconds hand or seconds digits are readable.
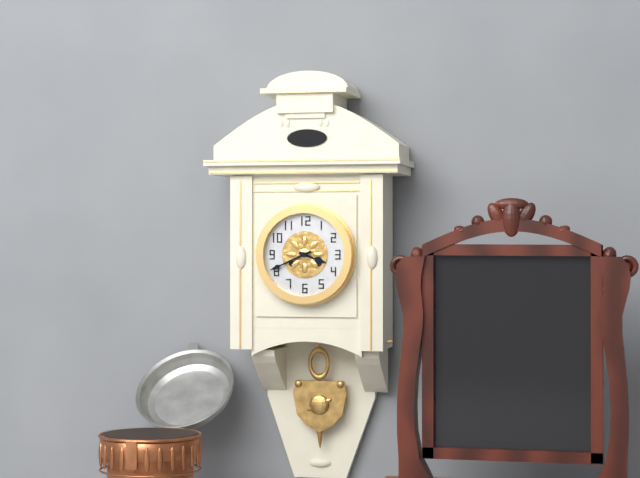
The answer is 3:41
